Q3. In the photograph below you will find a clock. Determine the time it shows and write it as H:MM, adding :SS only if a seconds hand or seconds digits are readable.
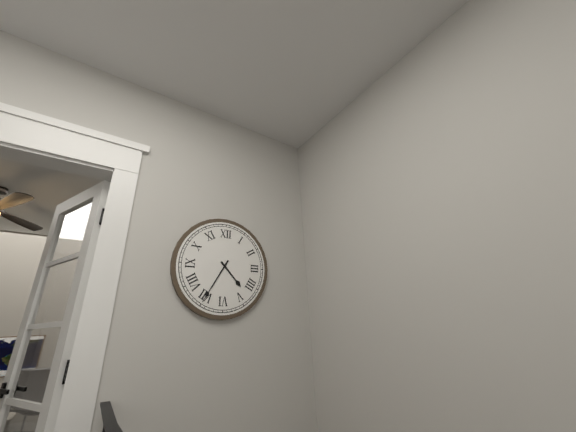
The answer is 4:35
